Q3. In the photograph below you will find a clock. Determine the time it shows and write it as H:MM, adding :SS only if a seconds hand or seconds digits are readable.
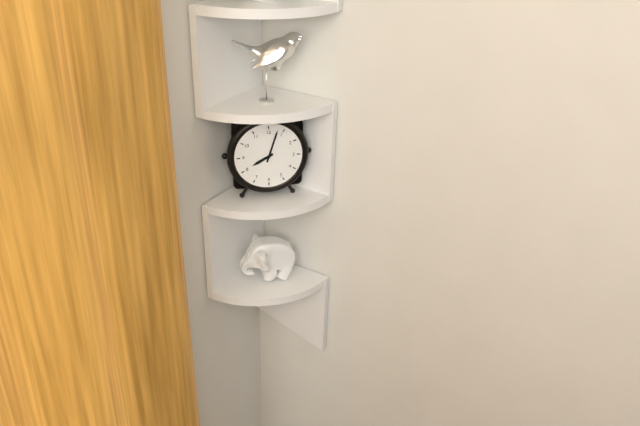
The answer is 8:03
